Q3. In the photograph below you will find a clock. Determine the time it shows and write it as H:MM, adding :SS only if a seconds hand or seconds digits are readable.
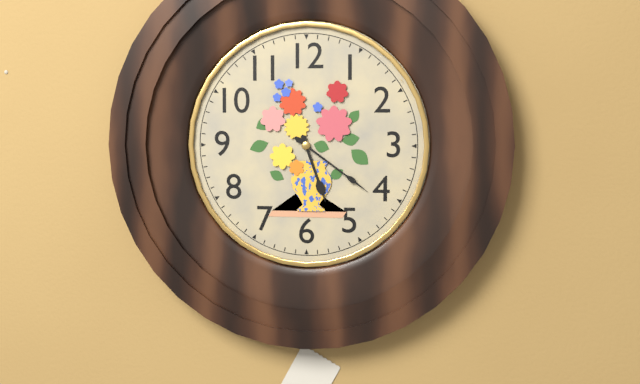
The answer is 5:21
